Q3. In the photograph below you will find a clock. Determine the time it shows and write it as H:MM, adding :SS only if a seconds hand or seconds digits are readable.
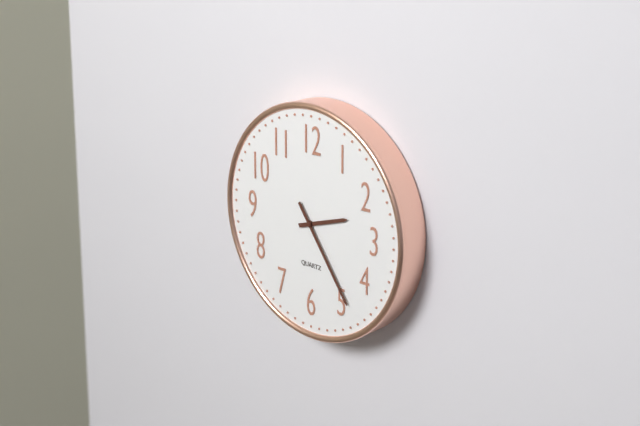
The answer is 2:24
